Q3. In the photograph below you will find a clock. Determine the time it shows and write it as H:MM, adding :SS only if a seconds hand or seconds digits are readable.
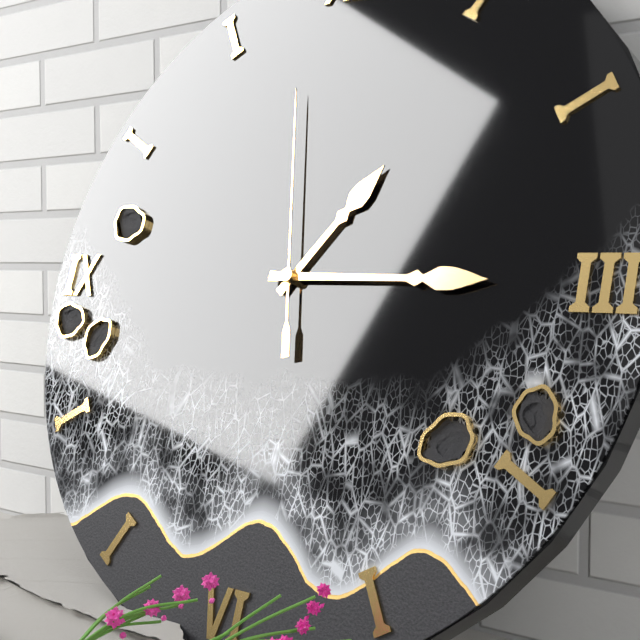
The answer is 1:15:58
